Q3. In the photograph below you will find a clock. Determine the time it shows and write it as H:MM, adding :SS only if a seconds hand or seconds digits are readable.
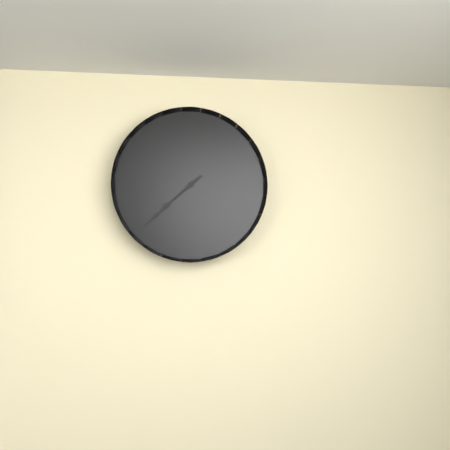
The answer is 7:38
